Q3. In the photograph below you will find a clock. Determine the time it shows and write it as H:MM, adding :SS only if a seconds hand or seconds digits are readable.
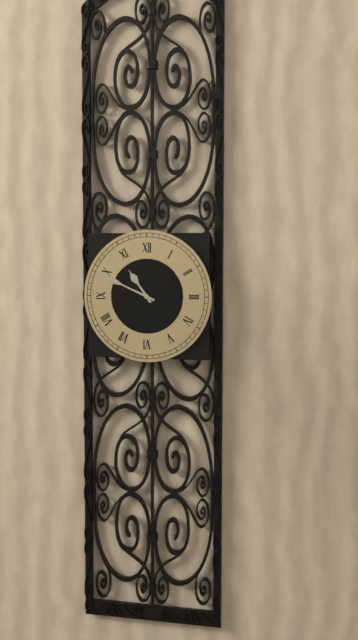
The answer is 10:49
